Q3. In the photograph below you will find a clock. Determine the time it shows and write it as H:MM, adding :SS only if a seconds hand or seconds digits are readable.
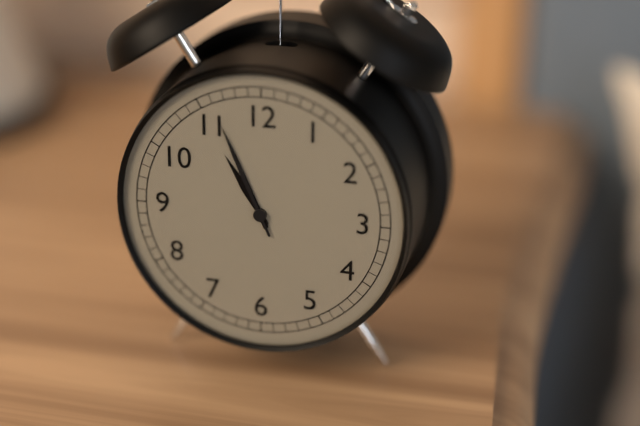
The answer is 10:56:56
